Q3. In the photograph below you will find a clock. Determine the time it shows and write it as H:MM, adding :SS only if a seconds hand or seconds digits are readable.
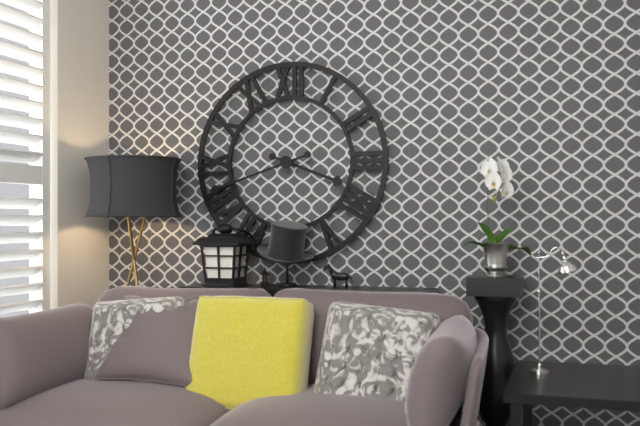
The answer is 3:42
